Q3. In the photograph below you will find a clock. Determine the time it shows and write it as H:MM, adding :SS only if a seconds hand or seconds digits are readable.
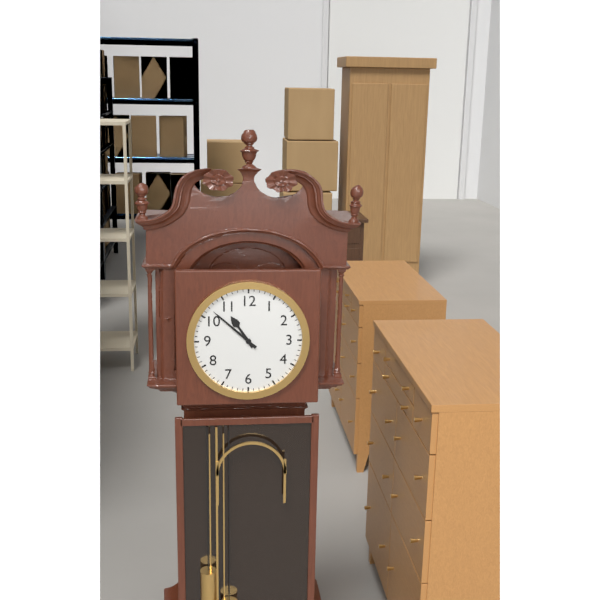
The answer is 10:52
